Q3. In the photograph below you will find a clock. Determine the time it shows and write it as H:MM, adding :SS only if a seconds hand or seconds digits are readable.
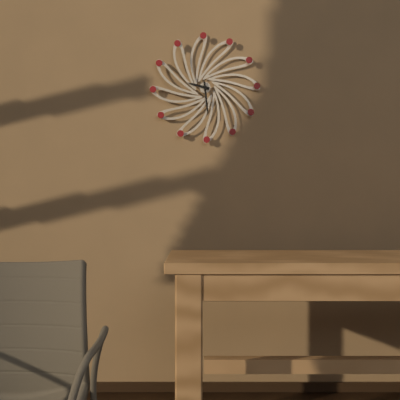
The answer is 9:29
